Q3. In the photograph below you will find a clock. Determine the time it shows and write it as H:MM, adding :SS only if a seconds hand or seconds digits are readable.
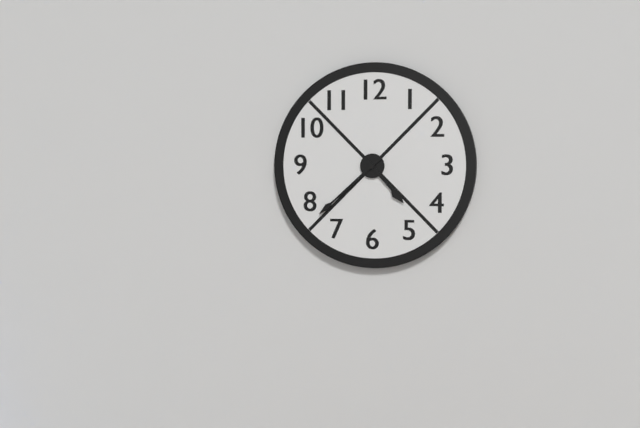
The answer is 4:38
